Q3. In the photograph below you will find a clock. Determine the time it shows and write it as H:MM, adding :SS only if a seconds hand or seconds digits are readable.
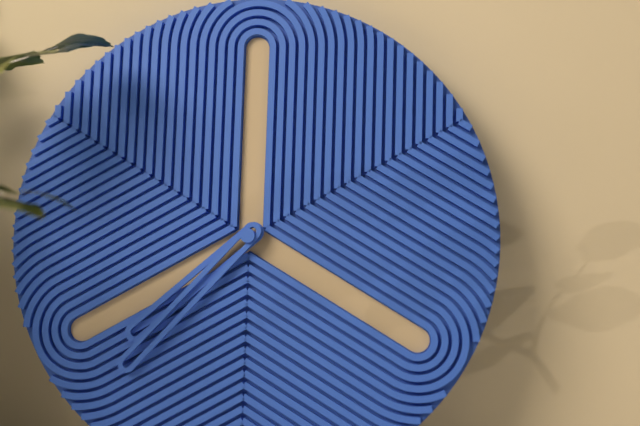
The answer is 7:37
